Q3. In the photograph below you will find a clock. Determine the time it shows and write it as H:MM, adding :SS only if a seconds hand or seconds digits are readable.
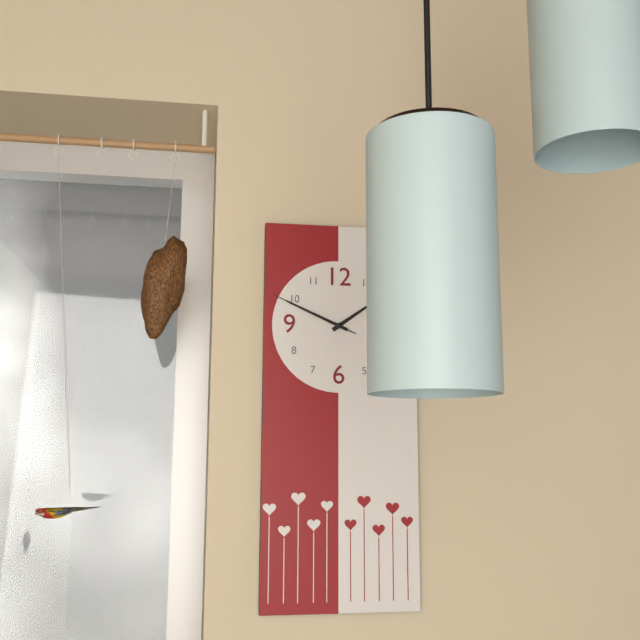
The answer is 1:49:49
